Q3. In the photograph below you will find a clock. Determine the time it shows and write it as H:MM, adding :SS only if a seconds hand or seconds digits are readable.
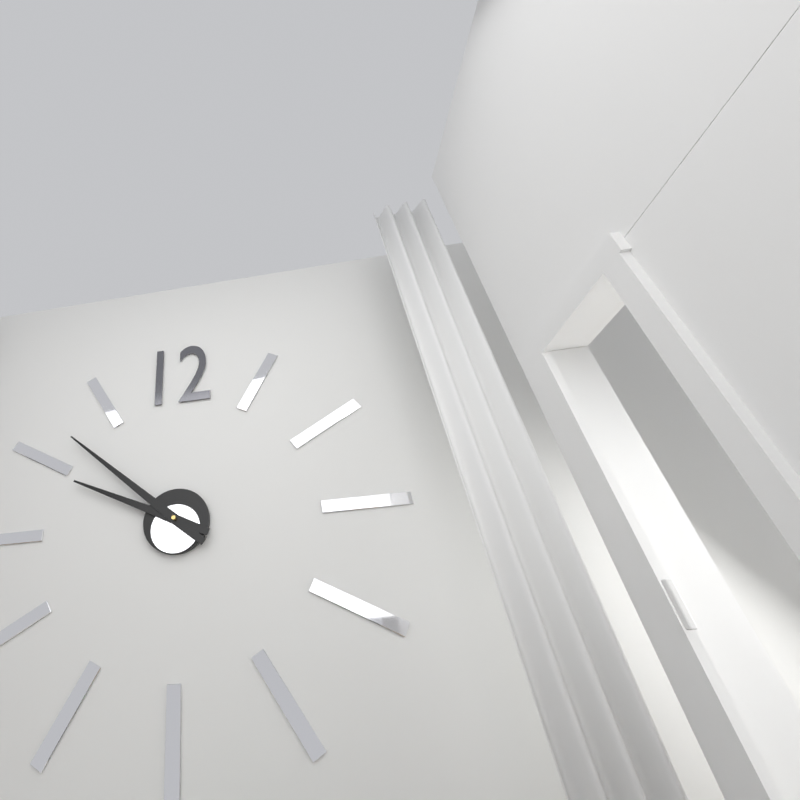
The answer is 9:52
